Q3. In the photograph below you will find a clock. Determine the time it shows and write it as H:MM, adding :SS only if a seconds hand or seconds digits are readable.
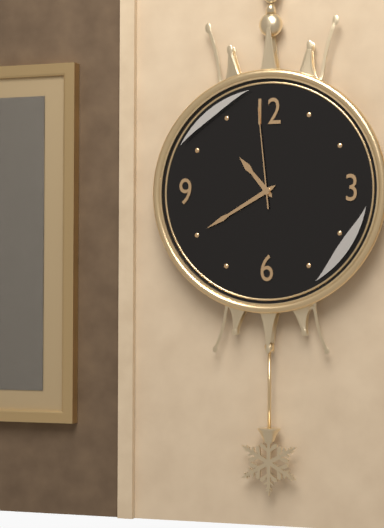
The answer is 10:40:59
